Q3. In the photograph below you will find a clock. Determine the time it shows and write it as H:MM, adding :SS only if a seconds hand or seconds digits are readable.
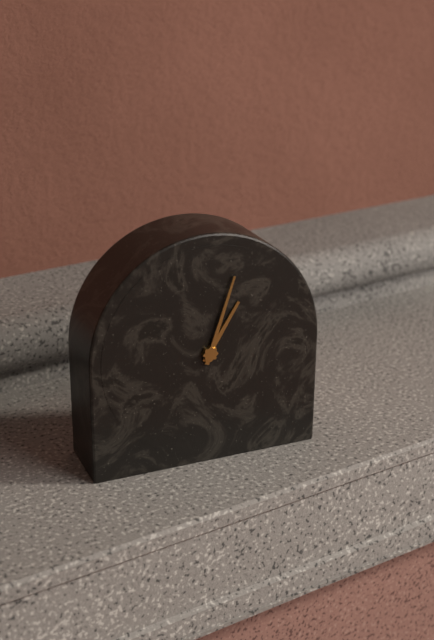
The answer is 1:03
